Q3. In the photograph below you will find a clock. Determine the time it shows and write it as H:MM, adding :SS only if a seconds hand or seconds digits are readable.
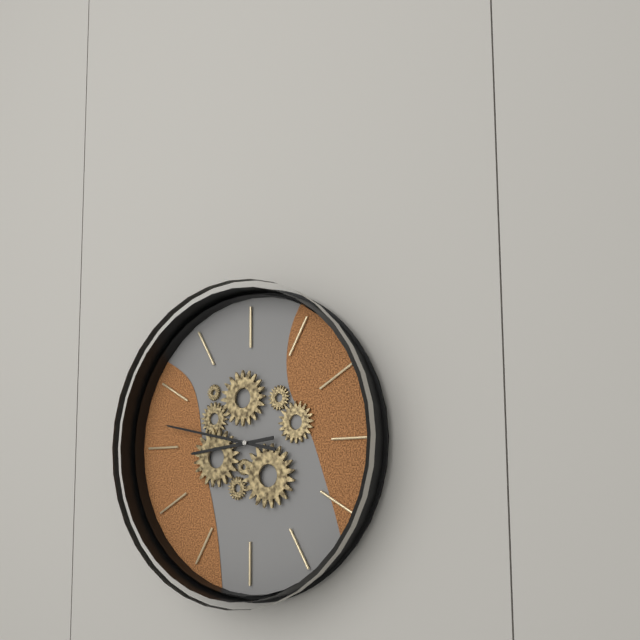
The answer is 8:47
